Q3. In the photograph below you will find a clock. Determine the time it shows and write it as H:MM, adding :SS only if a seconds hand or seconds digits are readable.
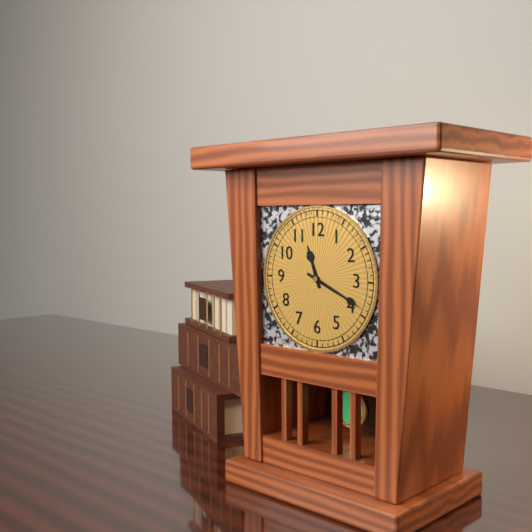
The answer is 11:19
